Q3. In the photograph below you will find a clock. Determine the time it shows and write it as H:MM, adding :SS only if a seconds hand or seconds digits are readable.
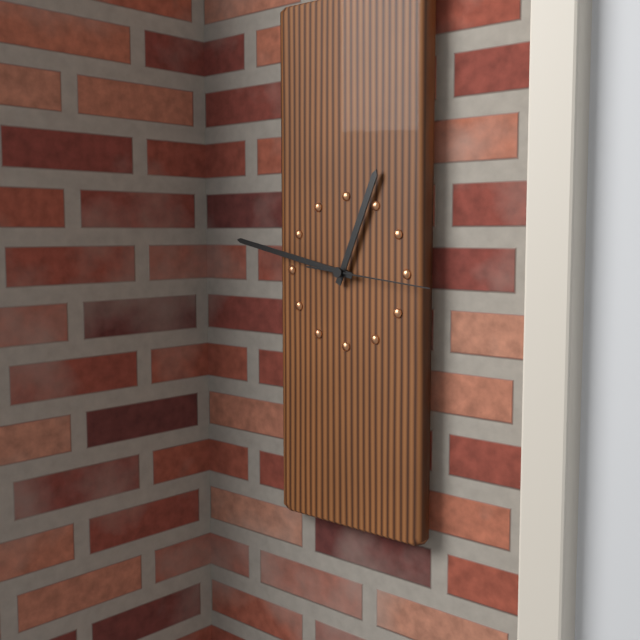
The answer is 12:47:16
